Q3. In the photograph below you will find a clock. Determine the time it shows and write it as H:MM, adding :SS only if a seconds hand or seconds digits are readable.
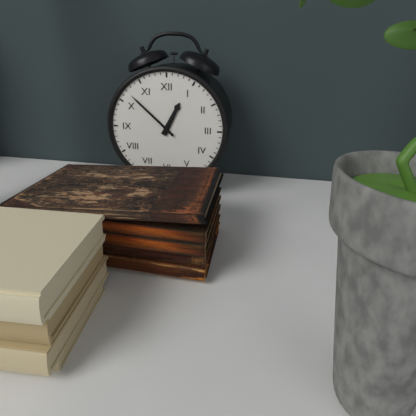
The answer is 12:52
